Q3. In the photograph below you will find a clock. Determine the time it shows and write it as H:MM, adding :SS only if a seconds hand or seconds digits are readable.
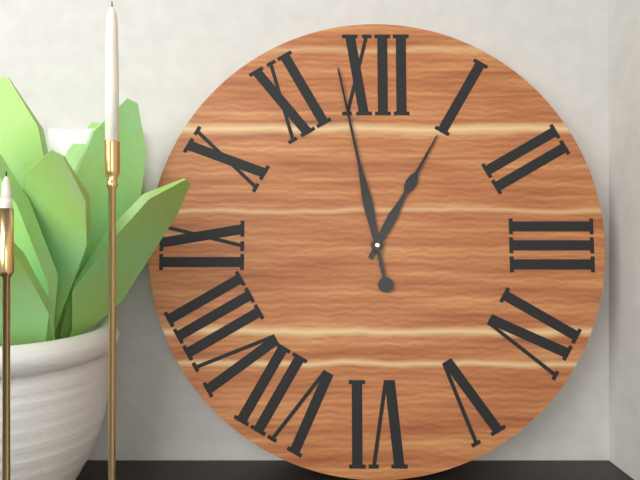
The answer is 12:58
